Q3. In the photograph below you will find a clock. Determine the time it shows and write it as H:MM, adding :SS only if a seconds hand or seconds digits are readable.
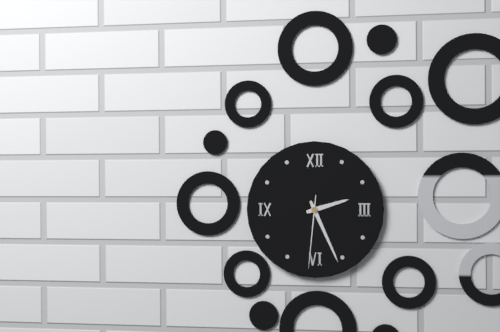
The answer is 2:26:31
